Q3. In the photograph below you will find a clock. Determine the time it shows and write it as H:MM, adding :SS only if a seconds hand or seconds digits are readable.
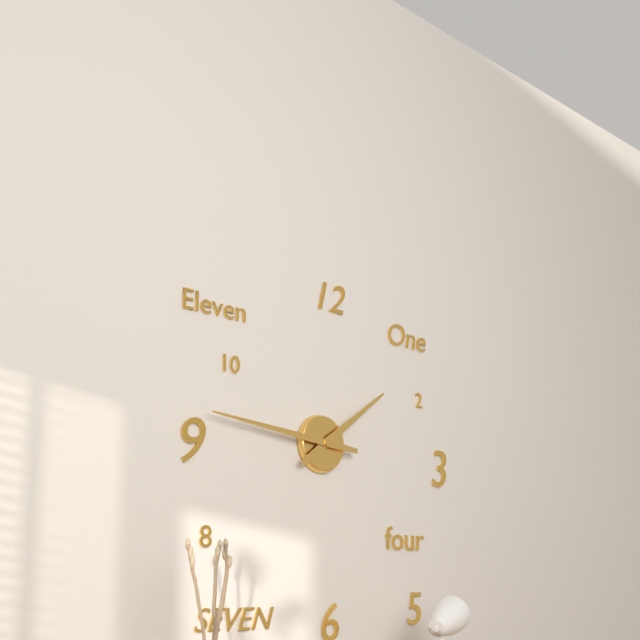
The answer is 1:46
